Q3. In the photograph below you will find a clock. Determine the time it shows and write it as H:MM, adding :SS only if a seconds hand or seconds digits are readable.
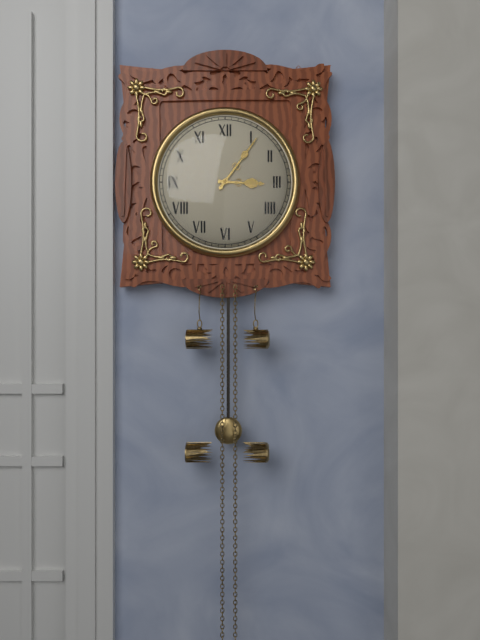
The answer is 3:06
